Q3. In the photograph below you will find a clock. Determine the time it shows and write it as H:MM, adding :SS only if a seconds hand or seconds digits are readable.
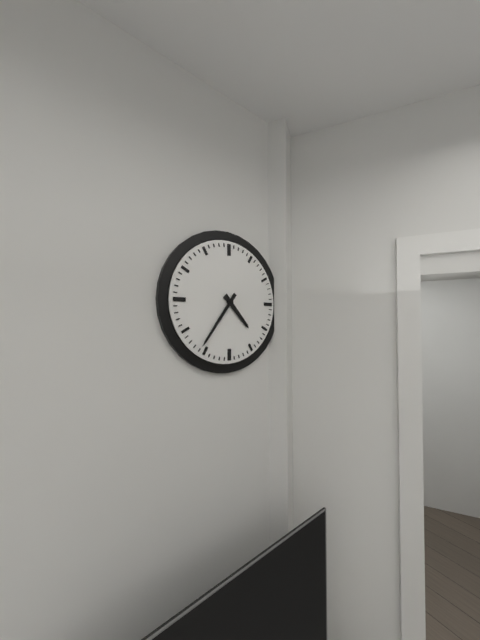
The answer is 4:36
